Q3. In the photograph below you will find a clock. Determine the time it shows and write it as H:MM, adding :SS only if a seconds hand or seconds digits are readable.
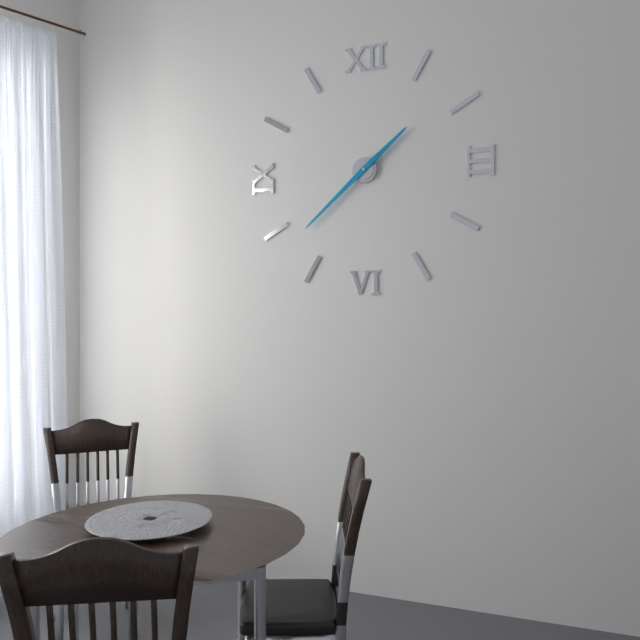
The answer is 1:38
